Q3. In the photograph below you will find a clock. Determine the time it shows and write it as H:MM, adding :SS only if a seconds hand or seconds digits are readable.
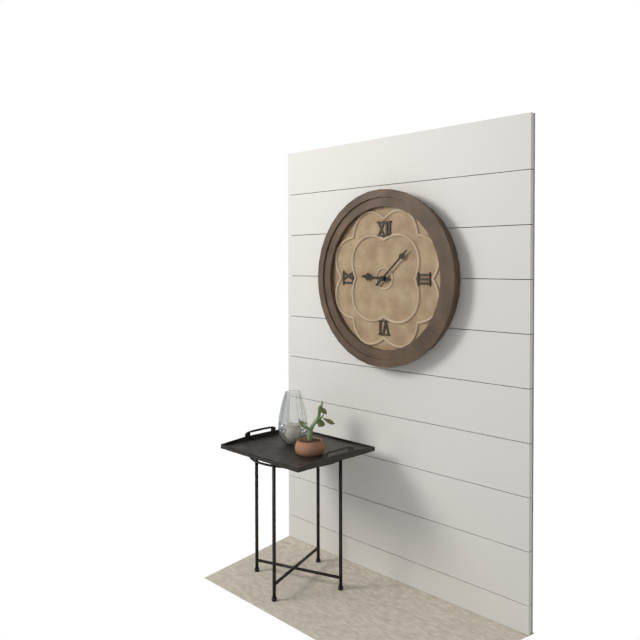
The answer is 9:08
